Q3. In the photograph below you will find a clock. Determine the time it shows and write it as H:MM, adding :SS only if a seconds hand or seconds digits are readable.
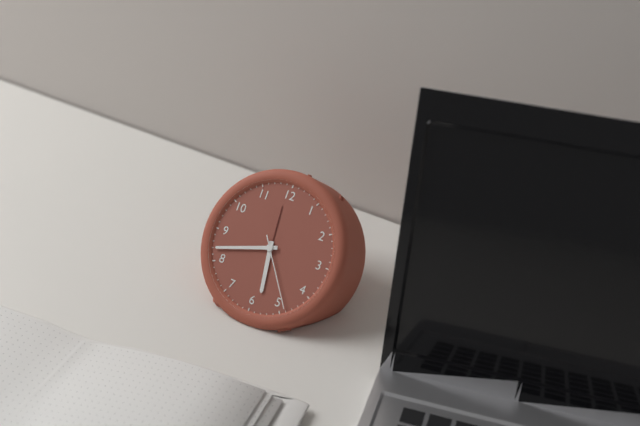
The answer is 5:42:24
